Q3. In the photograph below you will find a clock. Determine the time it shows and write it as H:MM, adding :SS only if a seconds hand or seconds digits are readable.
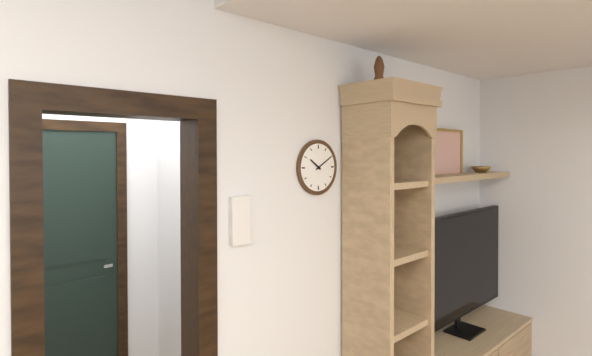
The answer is 10:10
